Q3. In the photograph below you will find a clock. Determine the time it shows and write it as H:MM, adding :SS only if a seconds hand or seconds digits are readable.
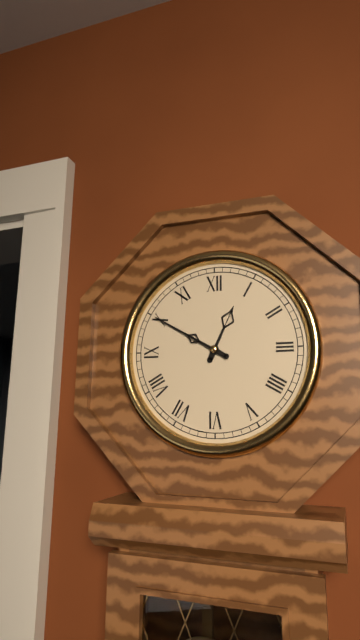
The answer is 12:50
